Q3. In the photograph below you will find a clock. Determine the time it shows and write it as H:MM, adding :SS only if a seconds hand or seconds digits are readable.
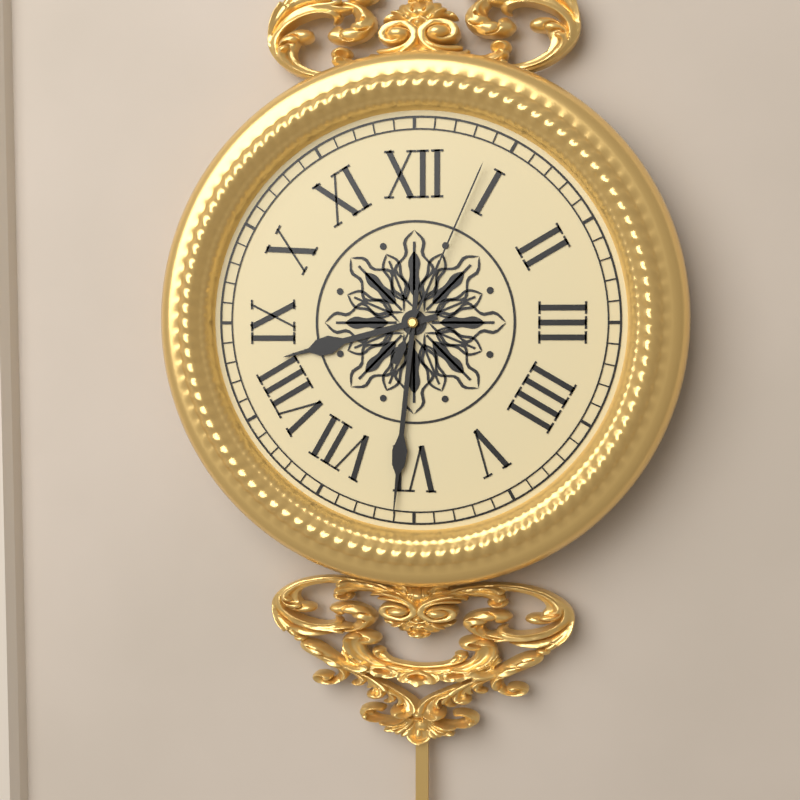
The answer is 8:31:04
